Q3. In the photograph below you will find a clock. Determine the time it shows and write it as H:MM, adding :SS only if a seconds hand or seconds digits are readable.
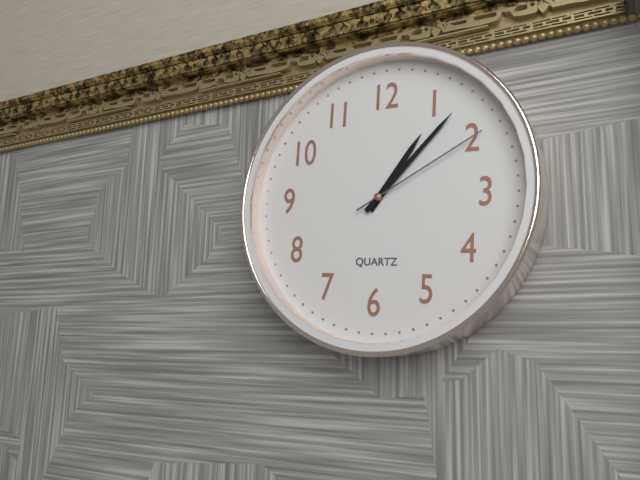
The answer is 1:07:10
